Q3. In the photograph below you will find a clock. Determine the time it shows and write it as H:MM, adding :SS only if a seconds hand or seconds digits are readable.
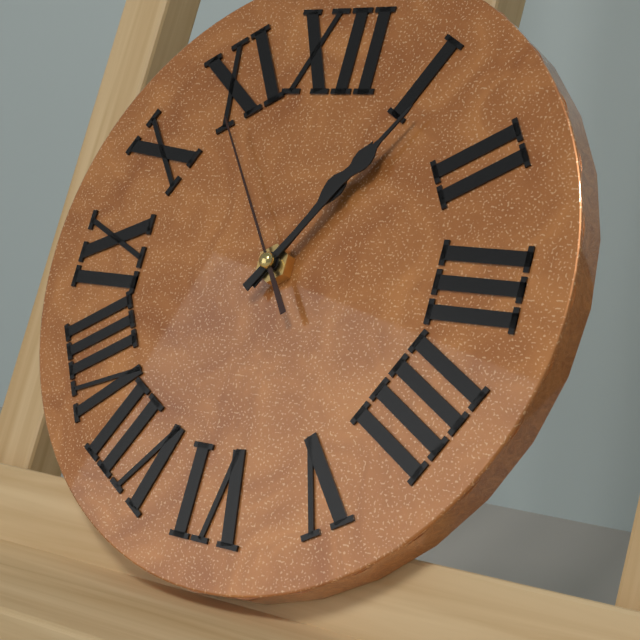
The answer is 1:06:54
